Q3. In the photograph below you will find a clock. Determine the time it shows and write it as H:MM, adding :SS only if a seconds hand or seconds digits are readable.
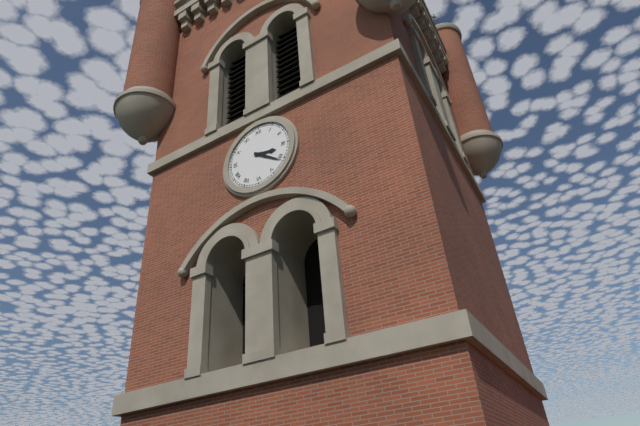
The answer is 3:21
